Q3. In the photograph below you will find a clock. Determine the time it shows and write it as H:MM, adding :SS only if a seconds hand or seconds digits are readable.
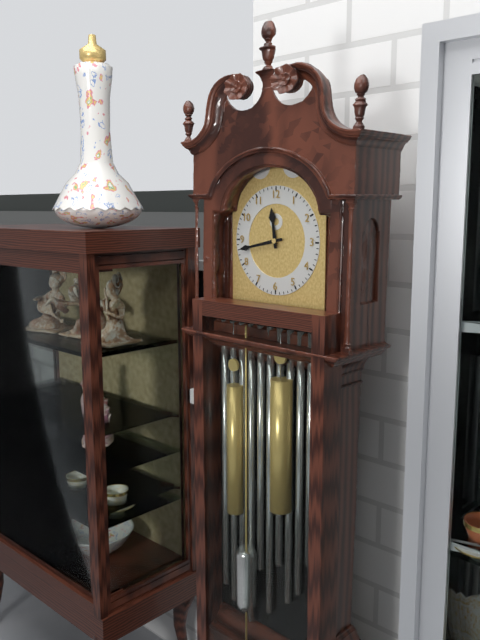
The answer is 11:43
